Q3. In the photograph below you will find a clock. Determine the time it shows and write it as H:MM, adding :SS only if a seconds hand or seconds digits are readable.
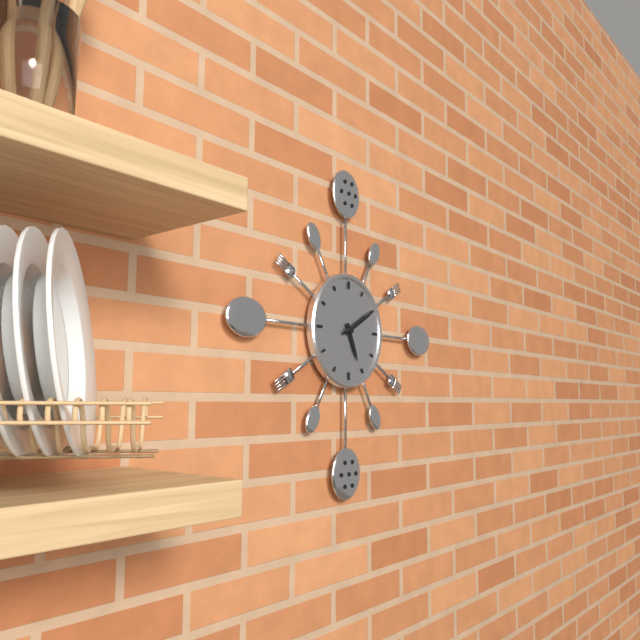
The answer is 5:10
